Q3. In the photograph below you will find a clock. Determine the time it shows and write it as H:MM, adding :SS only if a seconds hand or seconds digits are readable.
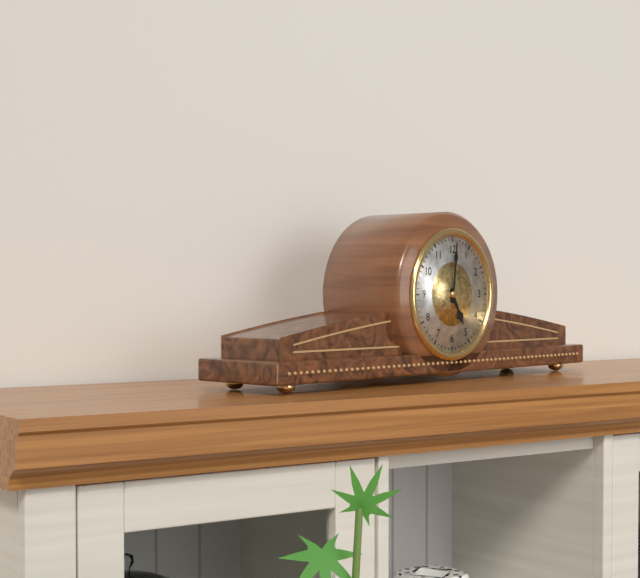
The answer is 5:01
